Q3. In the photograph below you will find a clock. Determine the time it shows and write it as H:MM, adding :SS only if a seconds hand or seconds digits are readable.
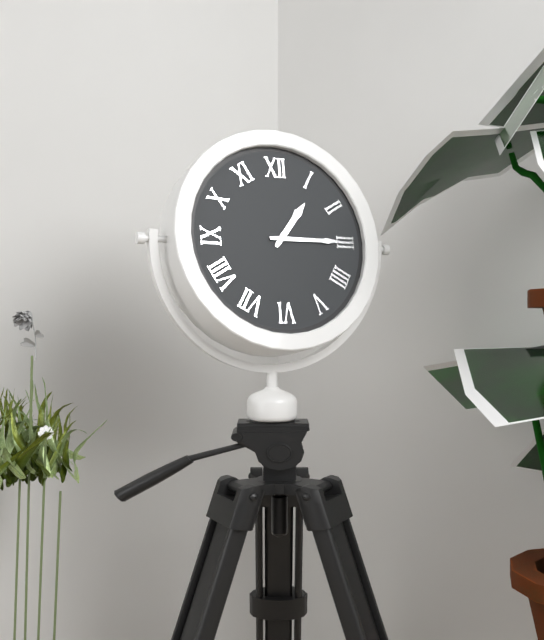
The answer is 1:15
